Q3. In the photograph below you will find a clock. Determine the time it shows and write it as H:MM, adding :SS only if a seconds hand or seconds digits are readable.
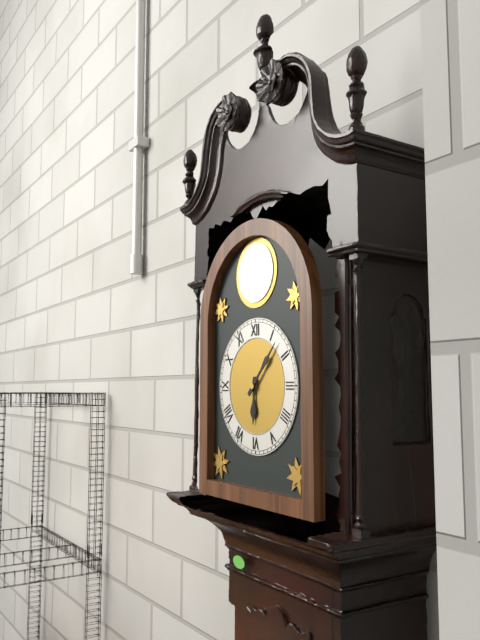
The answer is 6:07
